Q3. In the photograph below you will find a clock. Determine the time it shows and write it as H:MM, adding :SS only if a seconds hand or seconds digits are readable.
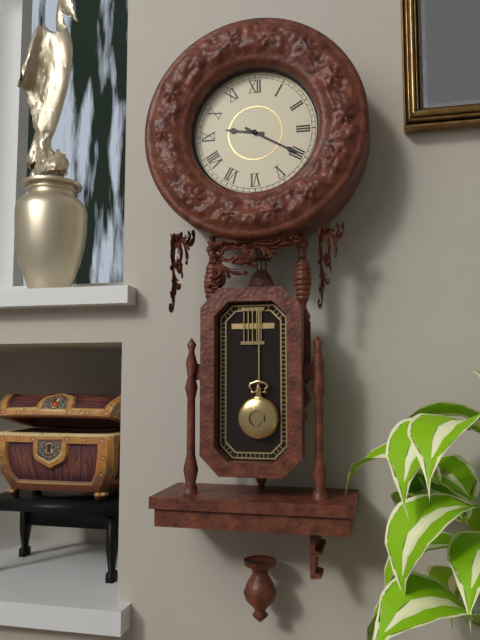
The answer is 9:20
